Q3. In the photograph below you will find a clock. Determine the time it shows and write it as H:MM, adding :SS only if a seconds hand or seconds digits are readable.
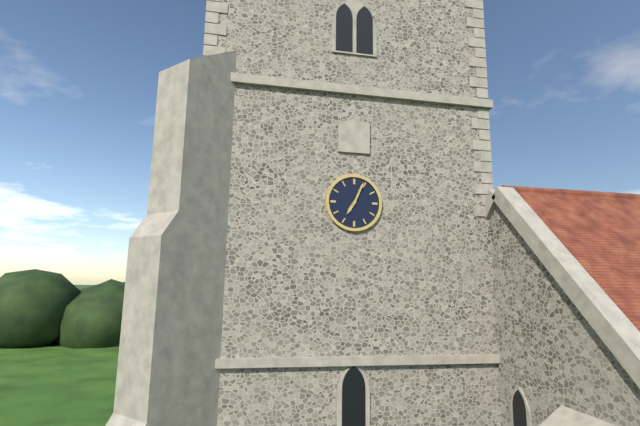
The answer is 7:04
